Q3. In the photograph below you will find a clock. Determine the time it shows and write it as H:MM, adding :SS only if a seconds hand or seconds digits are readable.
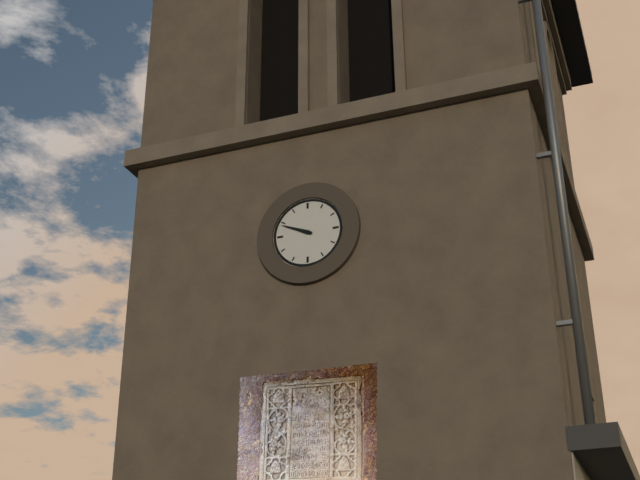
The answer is 9:49
